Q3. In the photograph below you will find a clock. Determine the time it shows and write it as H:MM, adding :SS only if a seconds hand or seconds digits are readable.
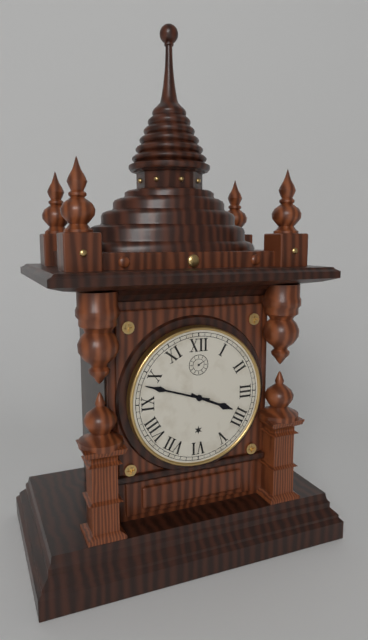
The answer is 3:48
